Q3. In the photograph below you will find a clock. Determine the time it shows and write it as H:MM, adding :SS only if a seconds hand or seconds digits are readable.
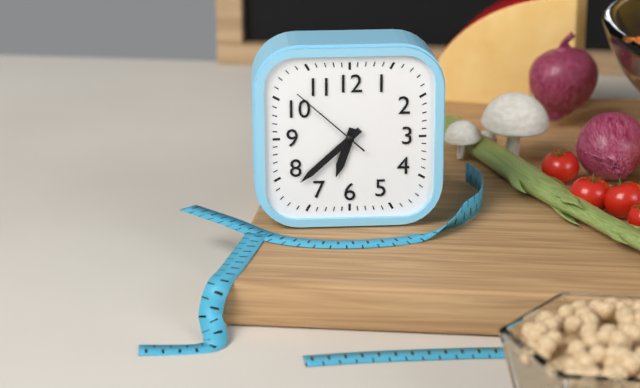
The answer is 6:38:52
